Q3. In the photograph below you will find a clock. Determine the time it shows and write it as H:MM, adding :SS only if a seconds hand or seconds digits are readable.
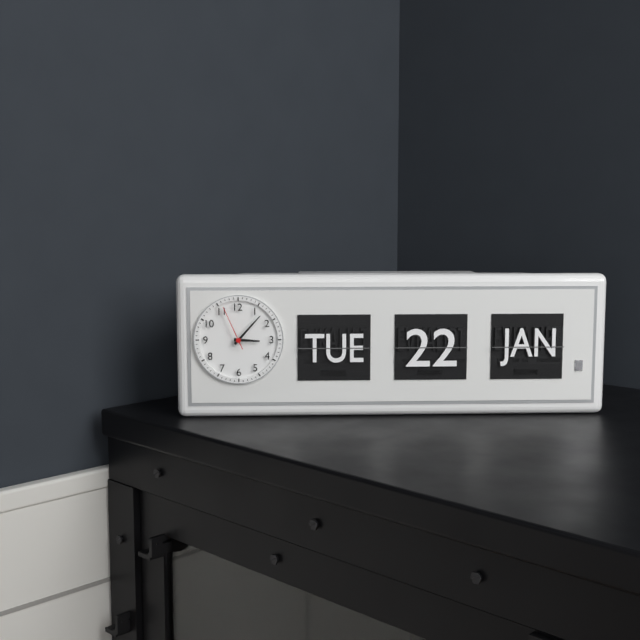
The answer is 3:07
